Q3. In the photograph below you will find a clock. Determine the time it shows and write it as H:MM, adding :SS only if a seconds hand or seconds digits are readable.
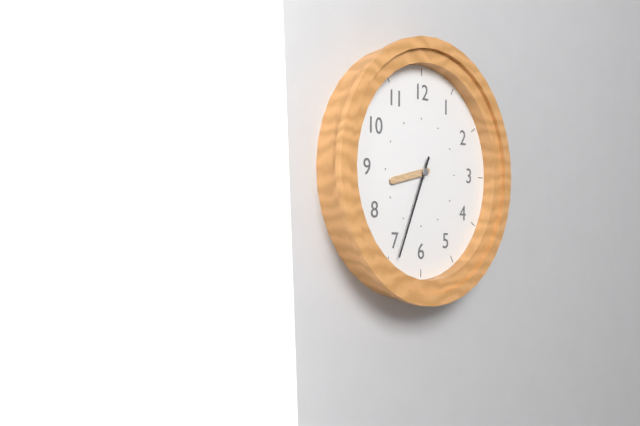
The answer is 8:34
